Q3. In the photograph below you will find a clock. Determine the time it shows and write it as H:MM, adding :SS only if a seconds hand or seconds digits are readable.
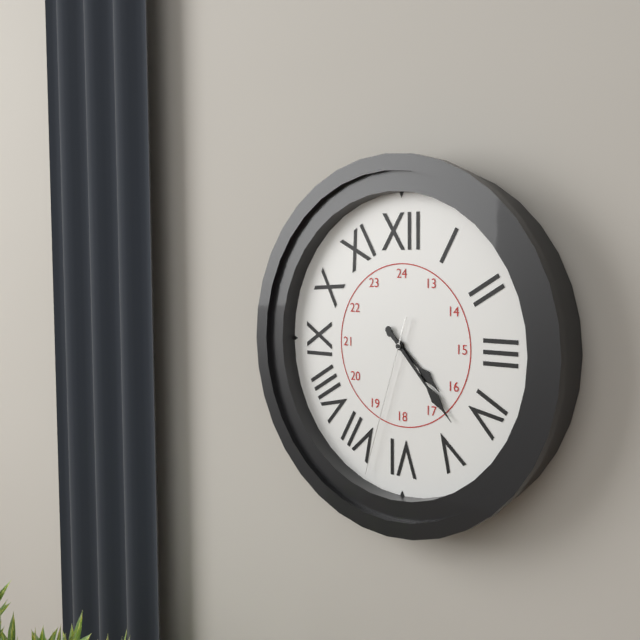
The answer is 4:23:33
